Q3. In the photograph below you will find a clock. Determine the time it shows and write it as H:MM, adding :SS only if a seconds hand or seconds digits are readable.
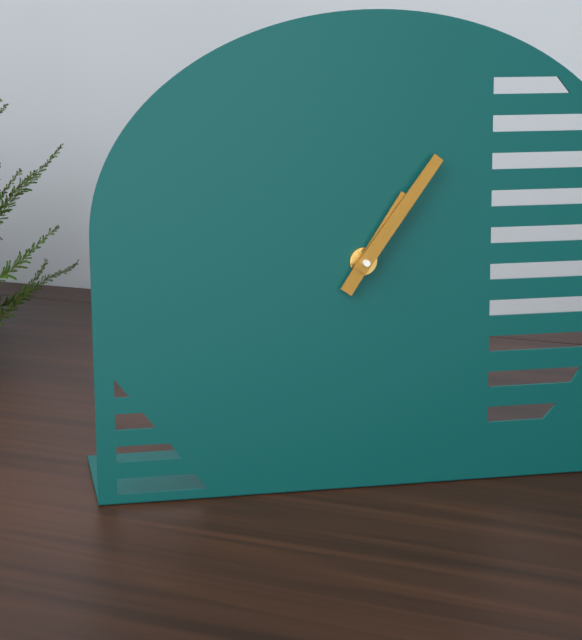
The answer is 1:06
